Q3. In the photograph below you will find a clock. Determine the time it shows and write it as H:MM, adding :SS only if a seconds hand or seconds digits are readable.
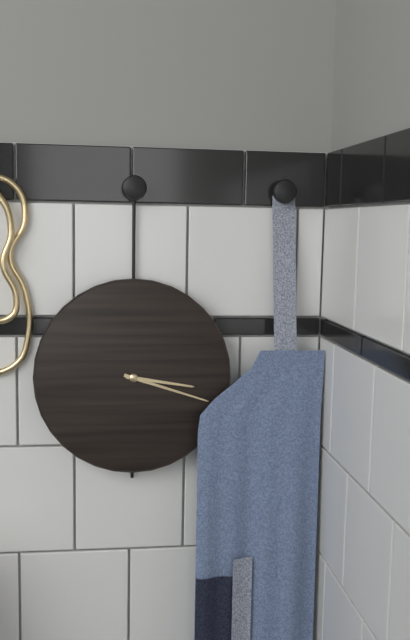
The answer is 3:18
